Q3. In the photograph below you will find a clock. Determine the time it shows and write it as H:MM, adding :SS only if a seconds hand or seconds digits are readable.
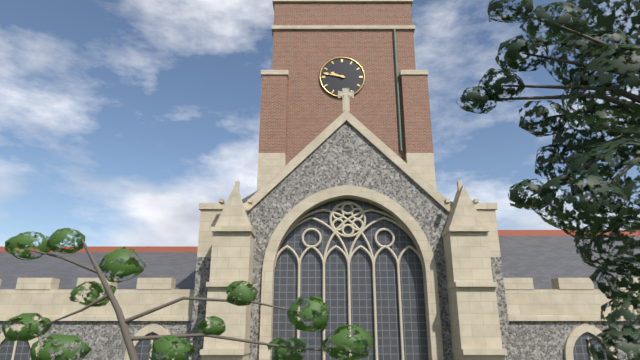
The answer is 9:47
